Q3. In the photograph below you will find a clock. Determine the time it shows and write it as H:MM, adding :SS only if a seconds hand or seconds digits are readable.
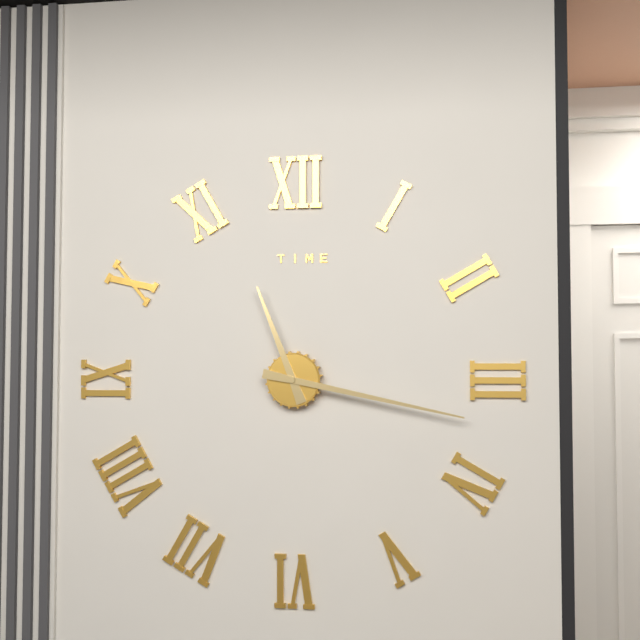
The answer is 11:17
